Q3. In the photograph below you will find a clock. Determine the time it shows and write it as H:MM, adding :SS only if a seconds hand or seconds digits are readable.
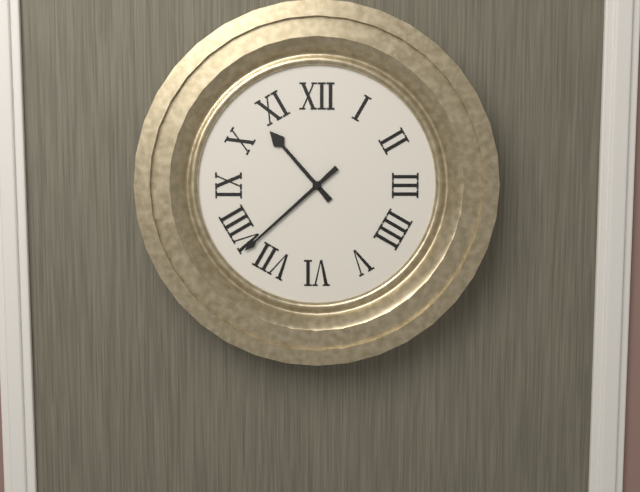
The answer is 10:38
